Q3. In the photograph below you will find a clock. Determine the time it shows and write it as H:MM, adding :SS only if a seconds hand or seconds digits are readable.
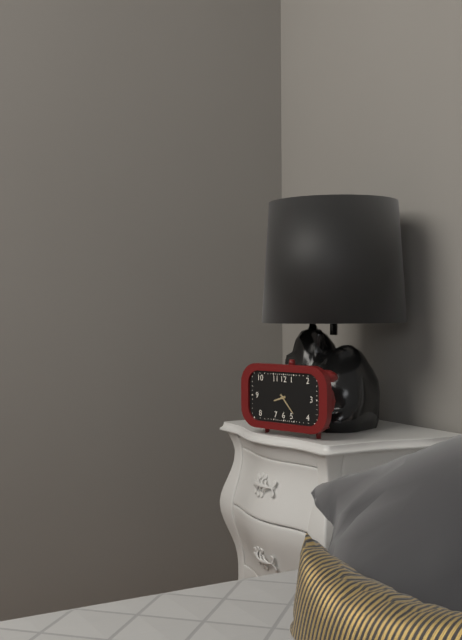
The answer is 8:23
